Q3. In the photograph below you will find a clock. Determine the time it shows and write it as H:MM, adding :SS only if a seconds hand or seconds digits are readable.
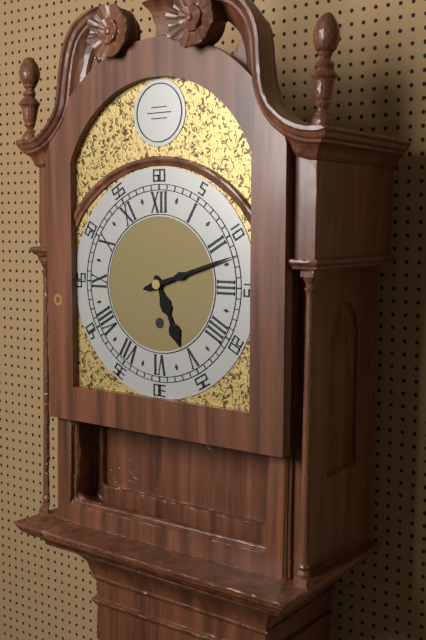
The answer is 5:12
